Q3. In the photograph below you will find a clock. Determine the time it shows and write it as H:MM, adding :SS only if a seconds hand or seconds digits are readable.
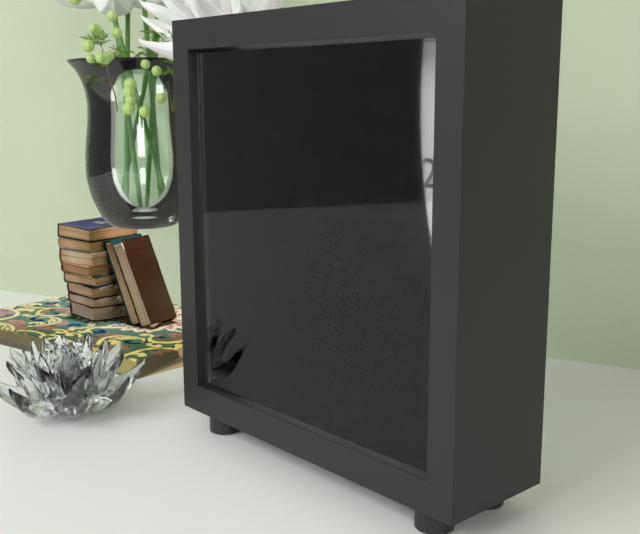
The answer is 8:00
